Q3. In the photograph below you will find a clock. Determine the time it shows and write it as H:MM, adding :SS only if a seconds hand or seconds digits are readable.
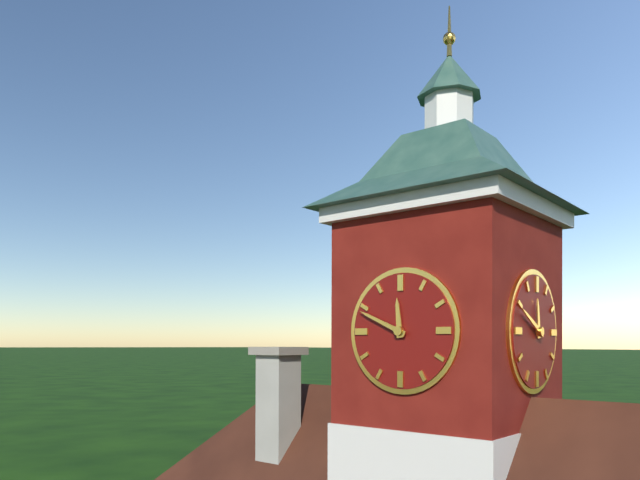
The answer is 11:49
